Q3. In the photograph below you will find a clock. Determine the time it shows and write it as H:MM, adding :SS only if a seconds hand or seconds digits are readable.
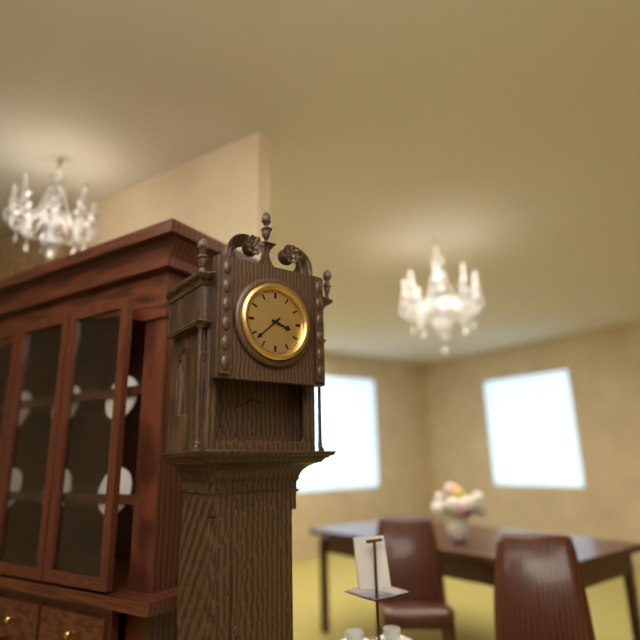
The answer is 3:38
